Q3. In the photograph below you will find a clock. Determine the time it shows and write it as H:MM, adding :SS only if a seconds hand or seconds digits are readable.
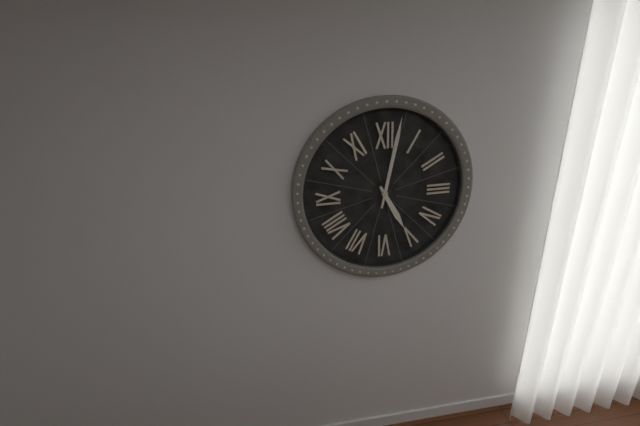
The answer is 5:02
